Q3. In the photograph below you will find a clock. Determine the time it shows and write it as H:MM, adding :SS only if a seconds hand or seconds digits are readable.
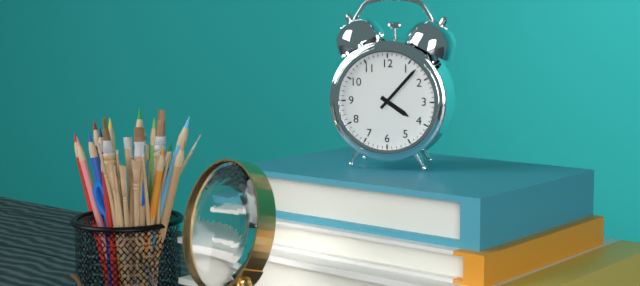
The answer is 4:07
